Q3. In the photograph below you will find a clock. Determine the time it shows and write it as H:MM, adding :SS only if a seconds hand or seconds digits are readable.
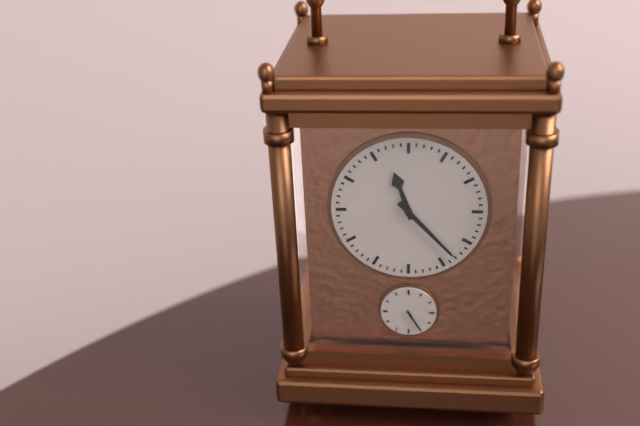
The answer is 11:23
